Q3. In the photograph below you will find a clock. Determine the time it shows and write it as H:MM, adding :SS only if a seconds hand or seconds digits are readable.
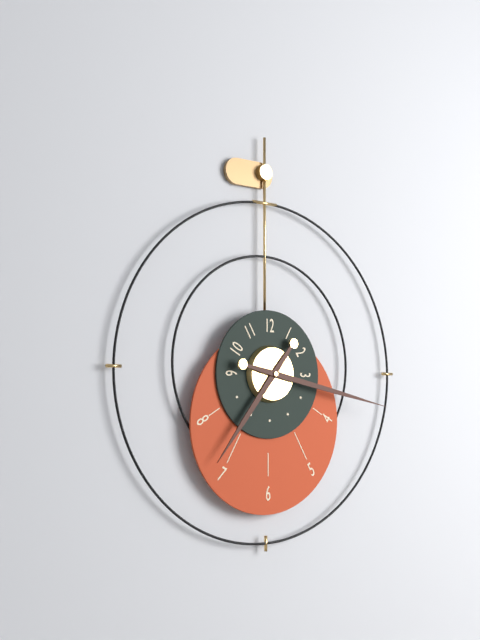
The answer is 7:17
